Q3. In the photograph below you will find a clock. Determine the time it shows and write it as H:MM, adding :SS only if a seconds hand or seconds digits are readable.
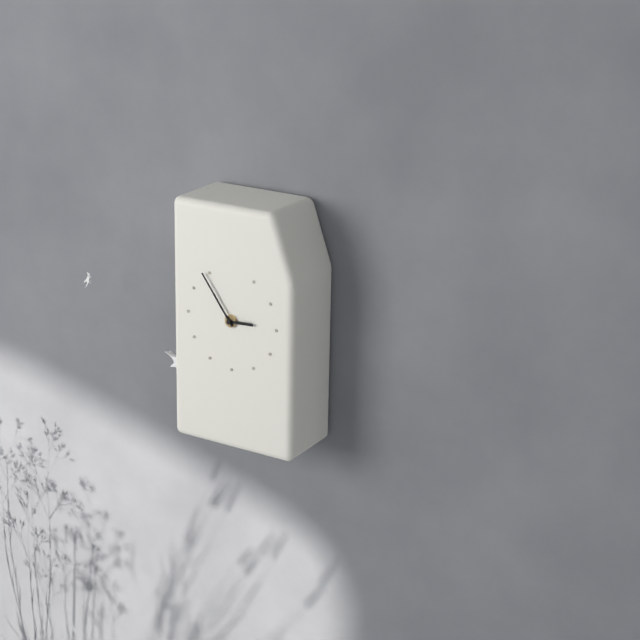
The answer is 2:54
